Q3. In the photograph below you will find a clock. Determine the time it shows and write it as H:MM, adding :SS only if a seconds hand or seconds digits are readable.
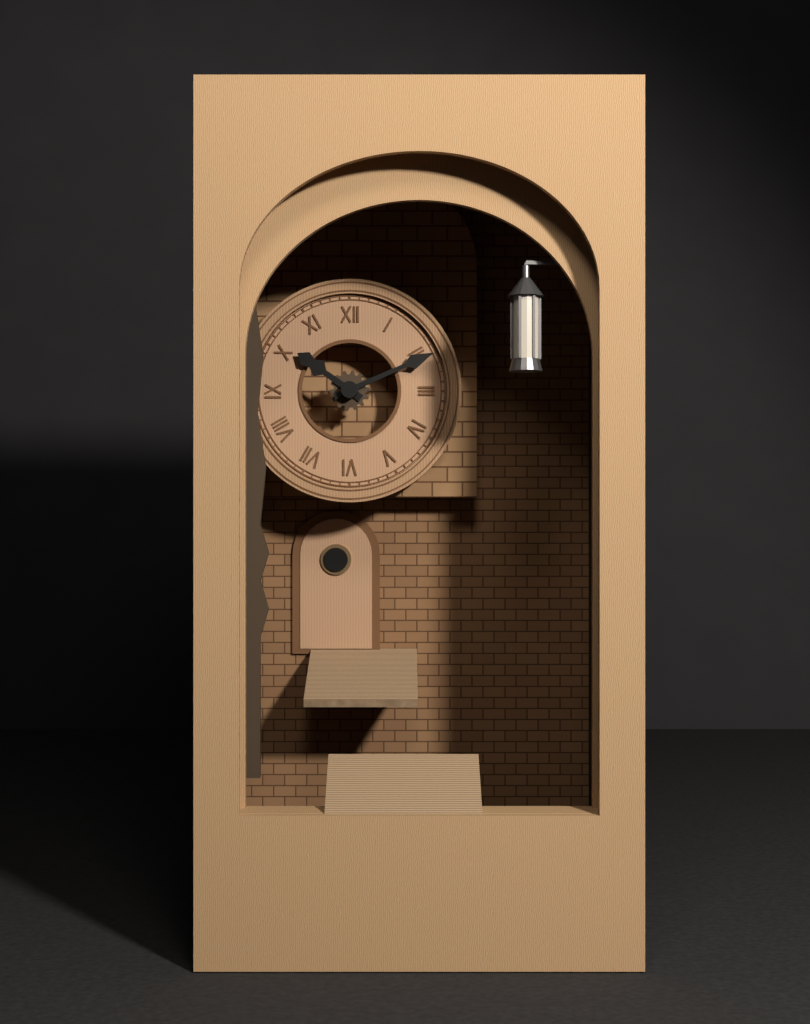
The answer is 10:11
